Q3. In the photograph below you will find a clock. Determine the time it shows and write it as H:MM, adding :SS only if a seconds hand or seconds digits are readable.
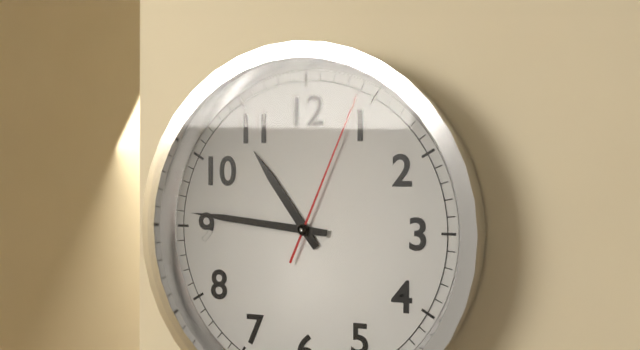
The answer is 10:46:04
